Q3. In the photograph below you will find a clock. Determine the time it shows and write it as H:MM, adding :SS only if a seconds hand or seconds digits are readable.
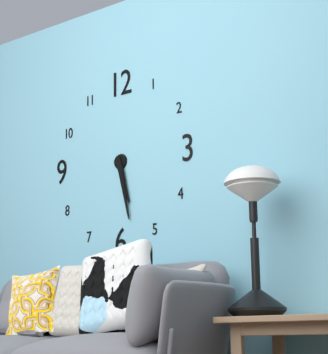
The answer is 5:28
